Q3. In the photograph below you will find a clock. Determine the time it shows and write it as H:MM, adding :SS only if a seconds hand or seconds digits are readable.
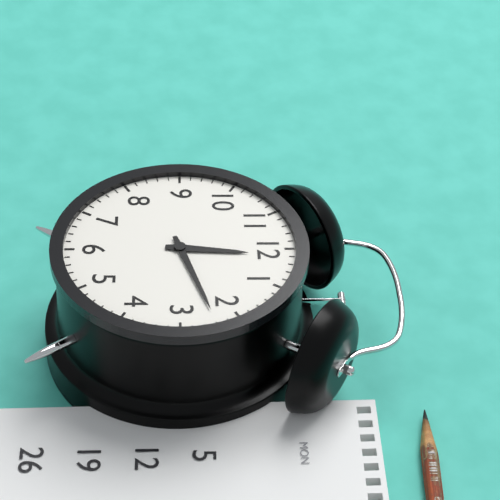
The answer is 12:12
